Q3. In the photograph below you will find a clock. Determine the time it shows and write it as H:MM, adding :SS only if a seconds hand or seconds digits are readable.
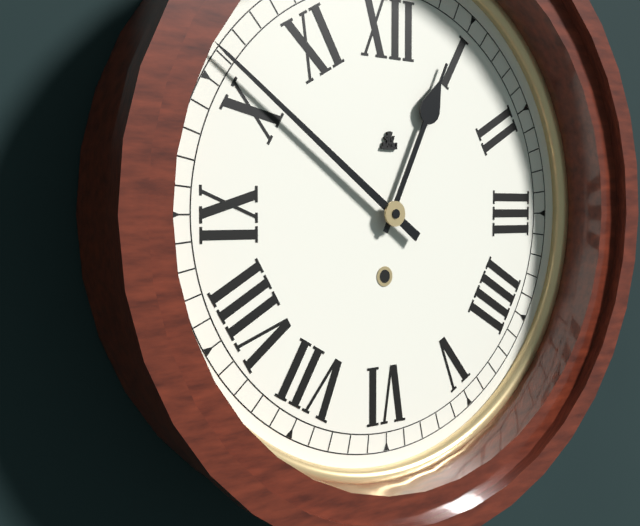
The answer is 12:51
